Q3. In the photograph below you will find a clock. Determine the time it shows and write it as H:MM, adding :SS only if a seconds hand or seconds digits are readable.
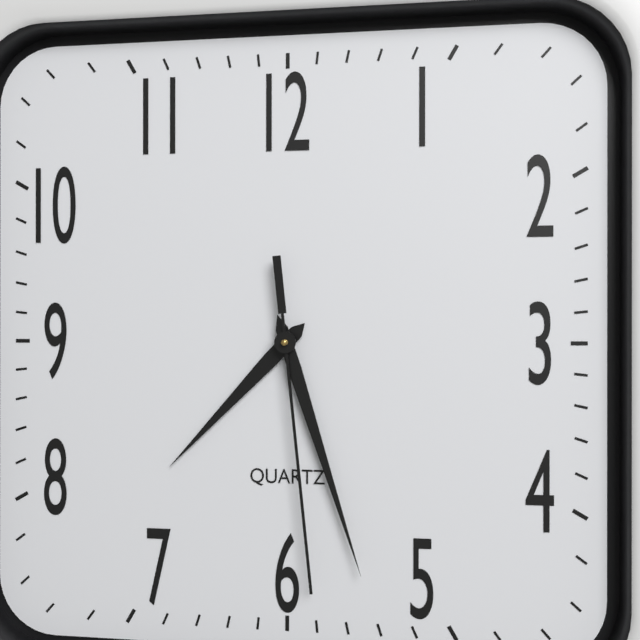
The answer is 7:27:29
